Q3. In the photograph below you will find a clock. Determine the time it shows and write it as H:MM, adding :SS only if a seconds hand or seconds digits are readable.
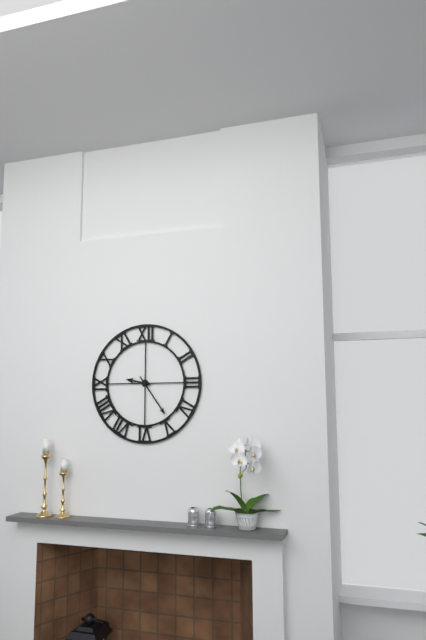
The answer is 9:24
